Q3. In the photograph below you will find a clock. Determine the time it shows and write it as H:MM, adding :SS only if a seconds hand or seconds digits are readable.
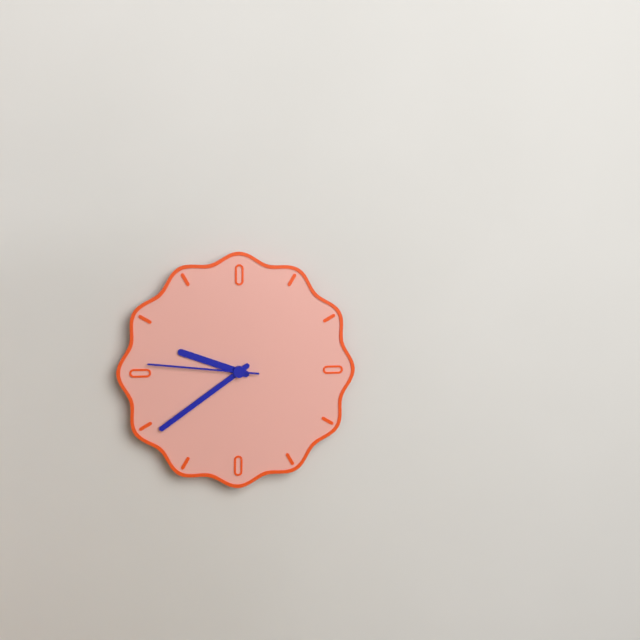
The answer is 9:39:46
